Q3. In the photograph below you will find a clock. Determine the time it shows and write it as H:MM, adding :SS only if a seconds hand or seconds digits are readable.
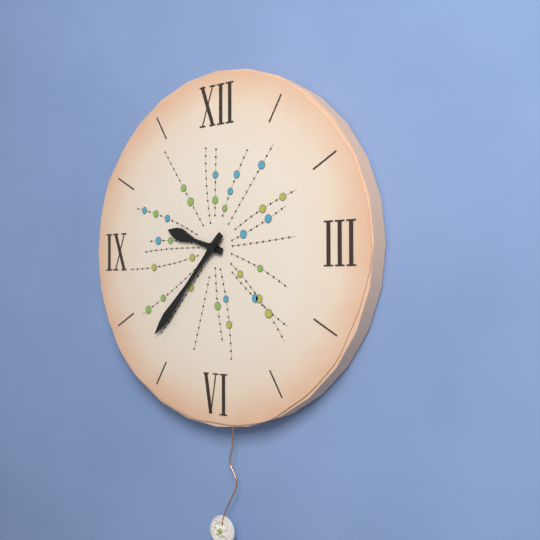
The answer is 9:37
